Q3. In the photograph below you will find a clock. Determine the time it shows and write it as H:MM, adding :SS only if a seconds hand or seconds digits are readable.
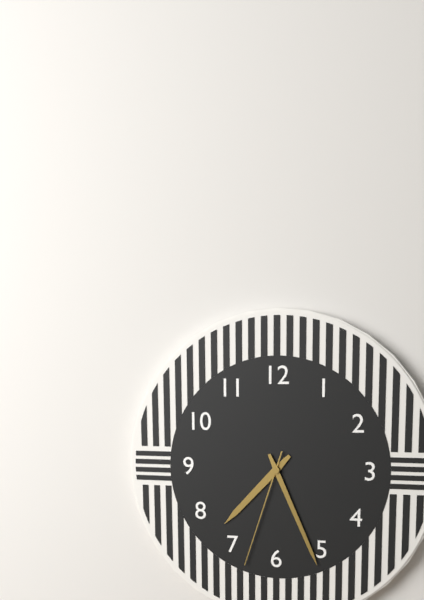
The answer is 7:26:33
